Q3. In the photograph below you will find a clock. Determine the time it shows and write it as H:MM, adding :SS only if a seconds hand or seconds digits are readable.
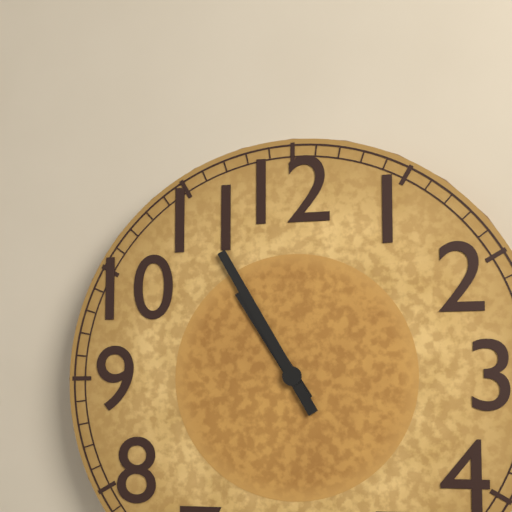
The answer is 10:55
